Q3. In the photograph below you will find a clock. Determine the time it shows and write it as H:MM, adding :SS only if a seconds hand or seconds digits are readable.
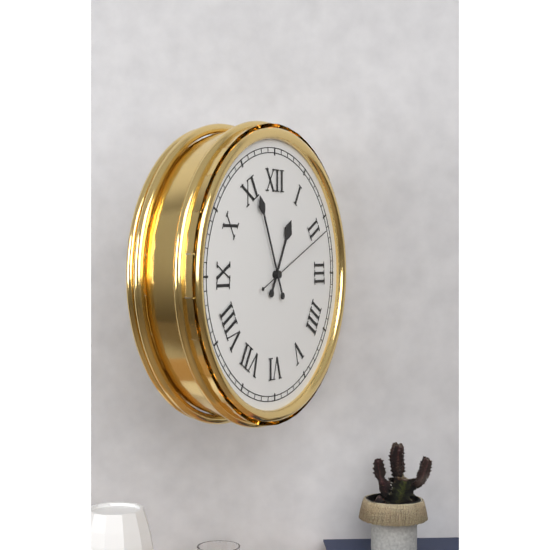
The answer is 12:56:11
